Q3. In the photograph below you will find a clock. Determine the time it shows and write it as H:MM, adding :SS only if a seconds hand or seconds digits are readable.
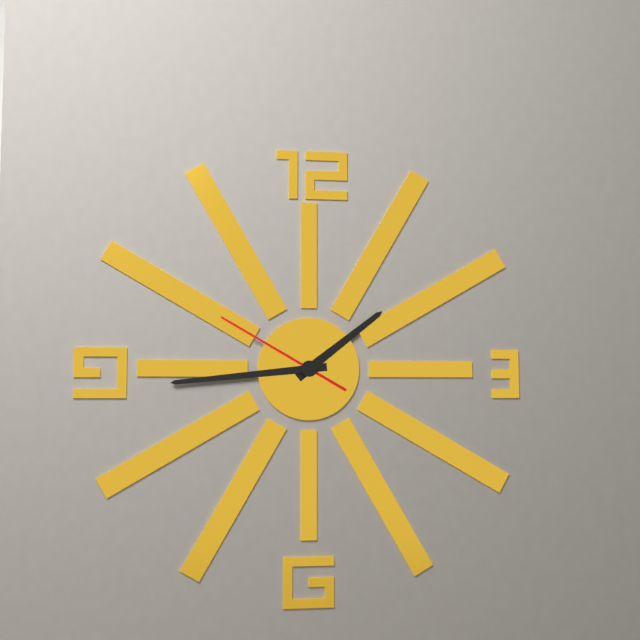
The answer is 1:44:50
